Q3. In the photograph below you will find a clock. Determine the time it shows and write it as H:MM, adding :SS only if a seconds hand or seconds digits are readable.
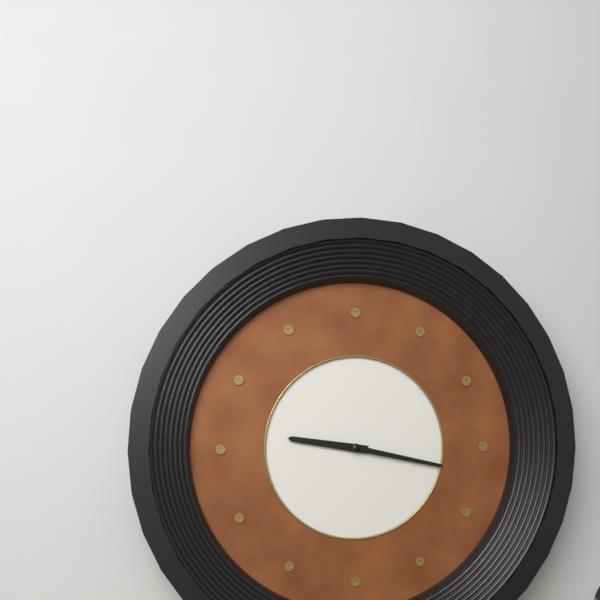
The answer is 9:17
